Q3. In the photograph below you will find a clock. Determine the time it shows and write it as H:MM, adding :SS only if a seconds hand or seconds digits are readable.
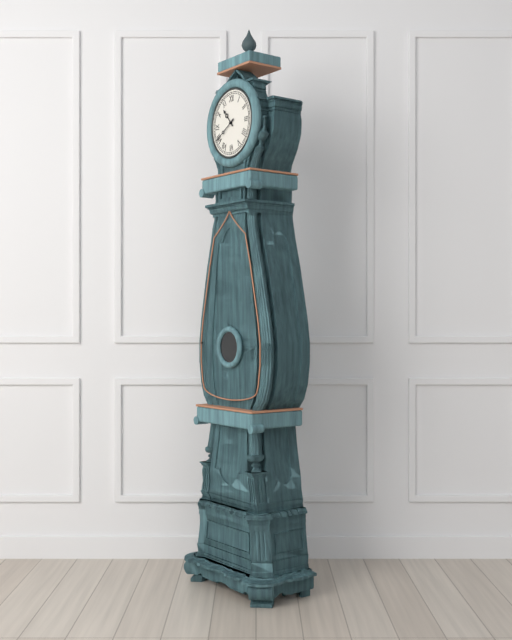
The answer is 10:40
